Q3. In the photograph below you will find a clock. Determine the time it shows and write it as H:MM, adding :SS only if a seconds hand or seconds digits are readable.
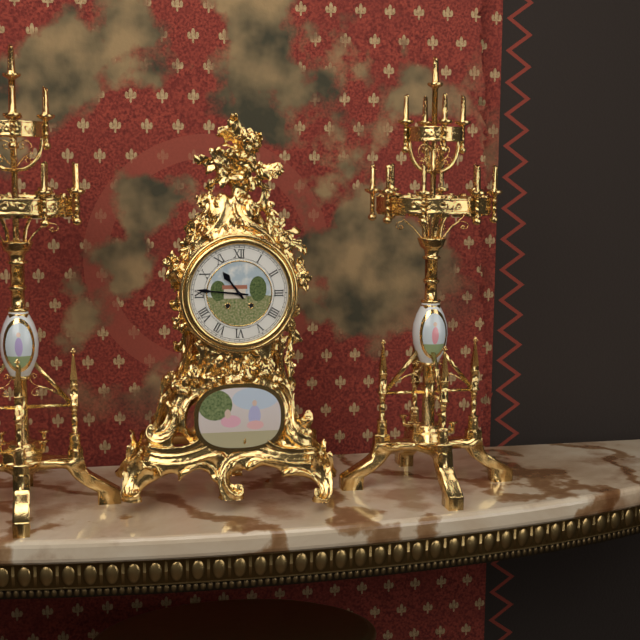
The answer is 10:46
